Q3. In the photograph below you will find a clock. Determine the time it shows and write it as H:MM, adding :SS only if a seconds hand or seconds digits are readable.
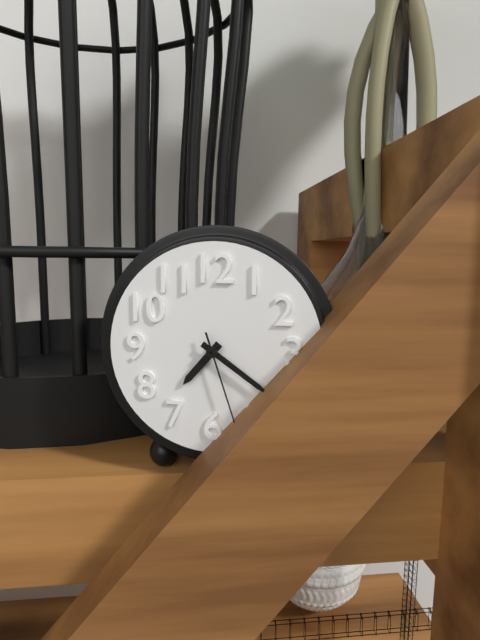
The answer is 7:21:27
